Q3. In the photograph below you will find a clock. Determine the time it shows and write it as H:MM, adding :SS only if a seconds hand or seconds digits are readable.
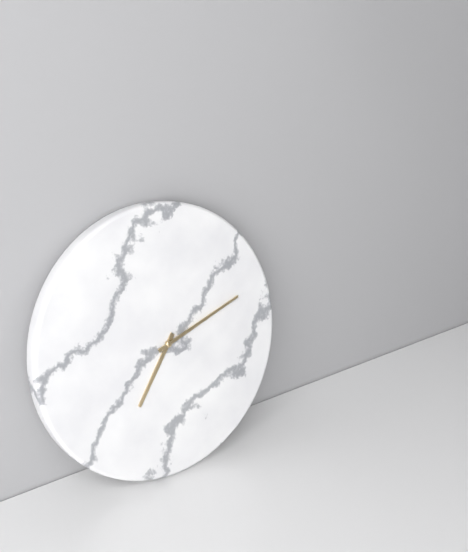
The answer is 7:12
